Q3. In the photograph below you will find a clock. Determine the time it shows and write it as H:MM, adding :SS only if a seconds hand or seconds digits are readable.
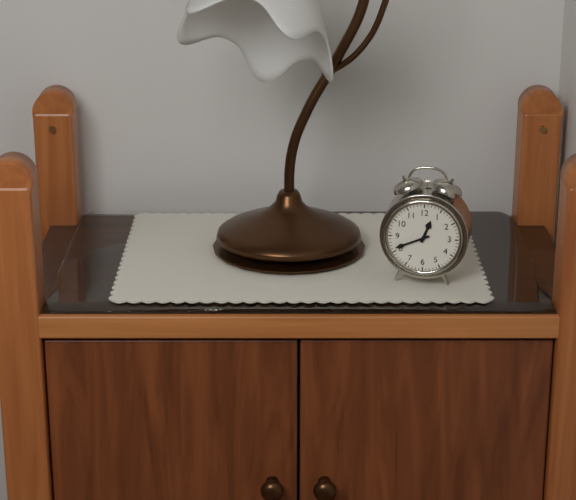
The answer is 12:41
